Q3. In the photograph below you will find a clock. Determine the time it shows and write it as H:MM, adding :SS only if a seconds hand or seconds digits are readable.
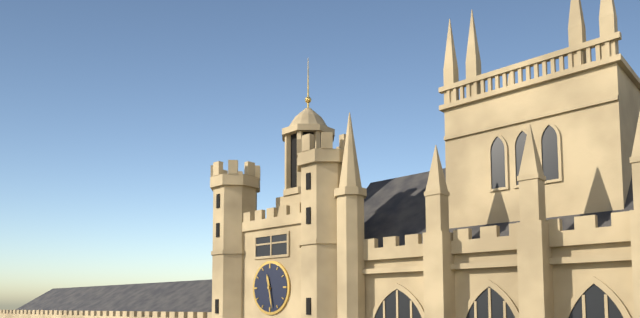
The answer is 11:28
